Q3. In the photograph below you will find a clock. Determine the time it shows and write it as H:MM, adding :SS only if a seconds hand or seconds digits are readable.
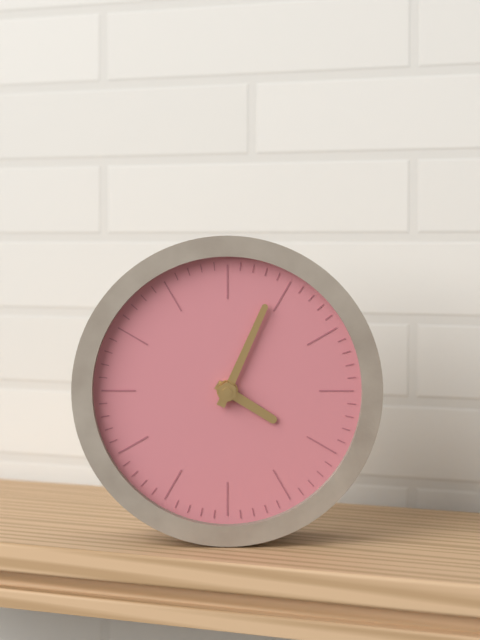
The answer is 4:04
